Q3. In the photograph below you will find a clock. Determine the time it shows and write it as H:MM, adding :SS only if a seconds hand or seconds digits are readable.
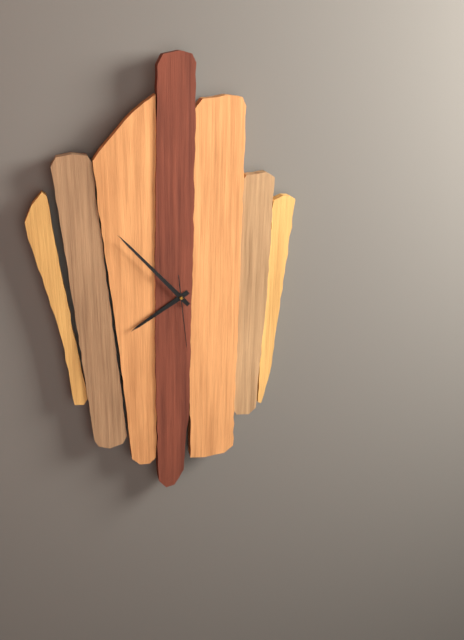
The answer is 7:53:29
